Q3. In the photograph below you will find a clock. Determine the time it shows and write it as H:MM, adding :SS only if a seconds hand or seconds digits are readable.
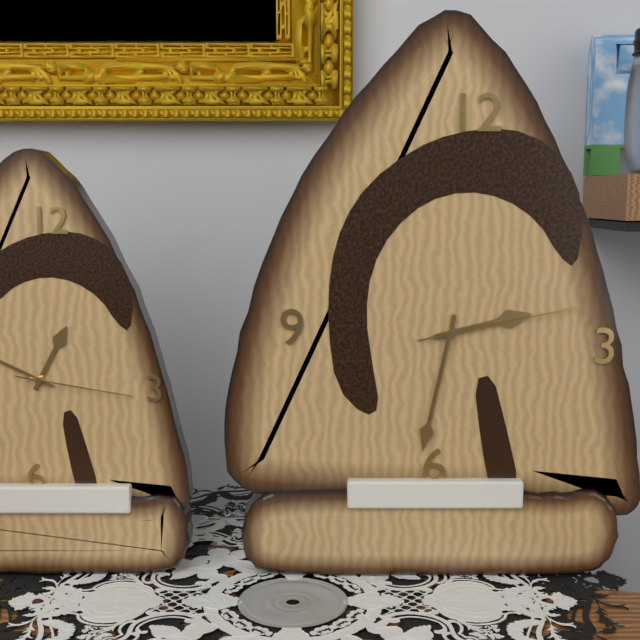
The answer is 2:32:13
